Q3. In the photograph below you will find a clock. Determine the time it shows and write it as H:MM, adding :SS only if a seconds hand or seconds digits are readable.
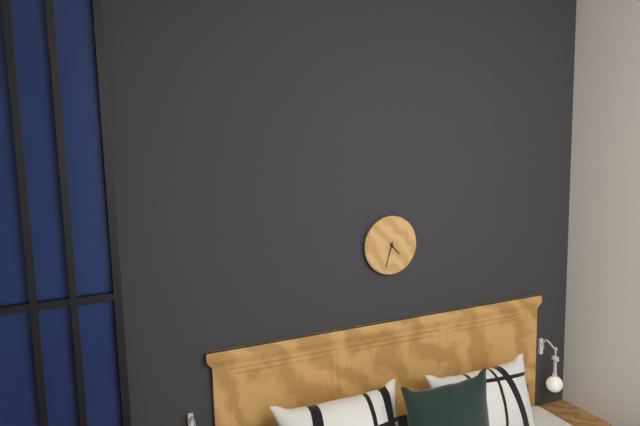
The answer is 4:33
